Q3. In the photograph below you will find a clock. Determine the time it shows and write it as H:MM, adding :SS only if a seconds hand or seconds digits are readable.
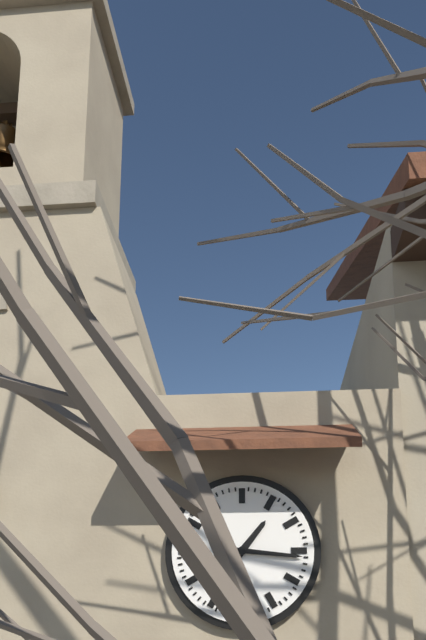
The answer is 1:16
